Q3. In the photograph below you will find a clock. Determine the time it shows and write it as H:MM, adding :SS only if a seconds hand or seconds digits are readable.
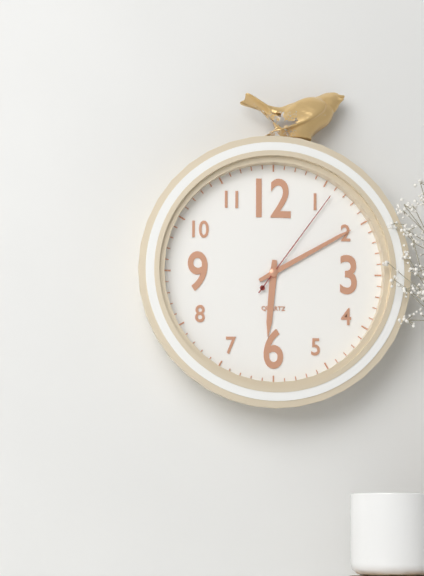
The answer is 6:10:06
